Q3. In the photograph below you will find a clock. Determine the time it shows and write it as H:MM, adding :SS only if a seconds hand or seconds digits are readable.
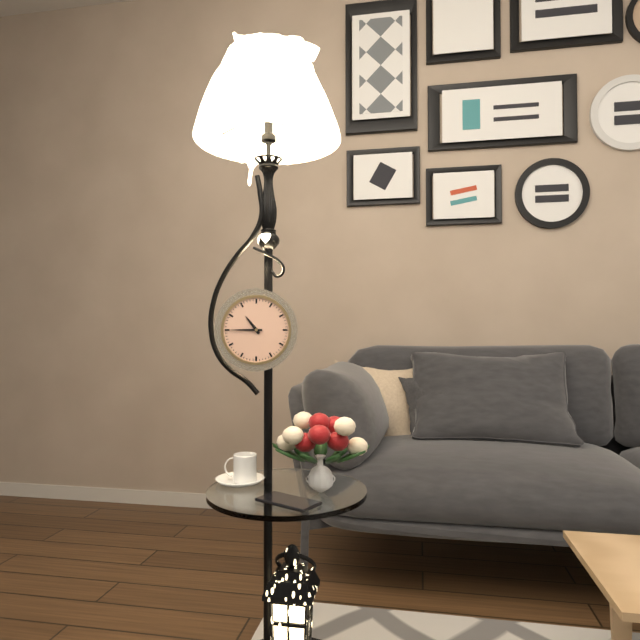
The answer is 10:45
